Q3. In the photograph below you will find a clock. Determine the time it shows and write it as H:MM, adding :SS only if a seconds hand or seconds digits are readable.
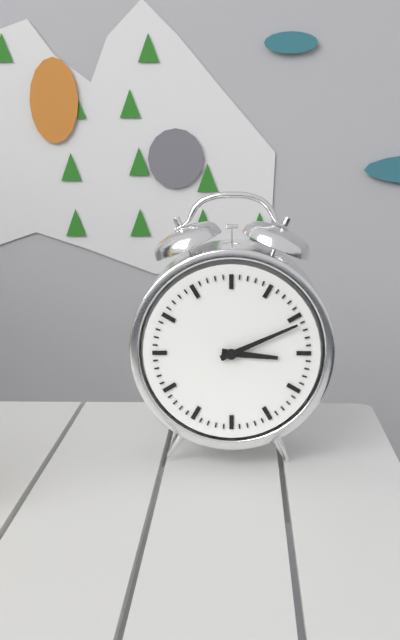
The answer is 3:11
